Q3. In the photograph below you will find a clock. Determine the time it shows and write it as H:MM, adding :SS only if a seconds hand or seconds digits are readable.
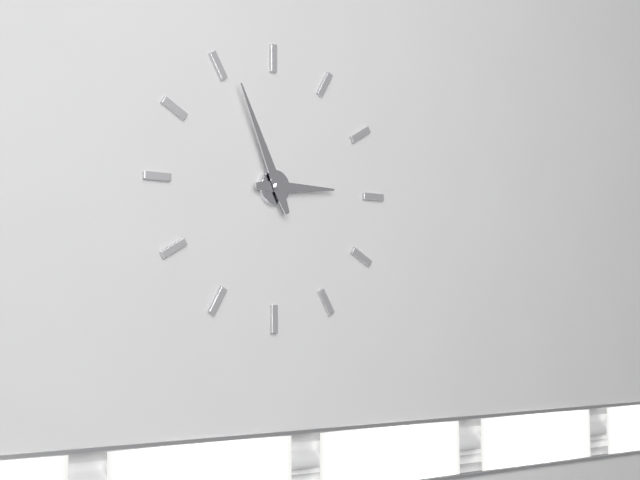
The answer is 2:56
